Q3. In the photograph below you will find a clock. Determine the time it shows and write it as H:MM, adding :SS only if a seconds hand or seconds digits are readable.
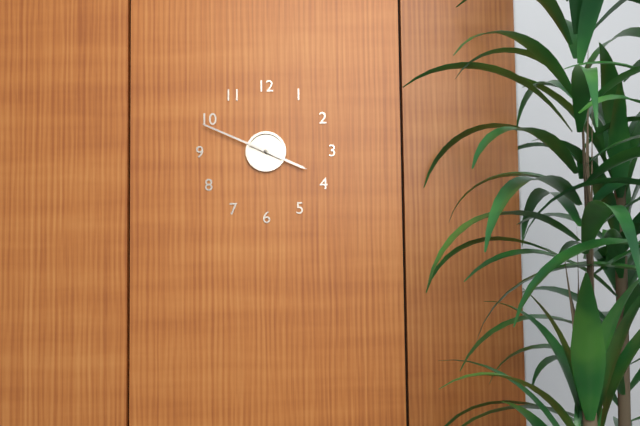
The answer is 3:49
